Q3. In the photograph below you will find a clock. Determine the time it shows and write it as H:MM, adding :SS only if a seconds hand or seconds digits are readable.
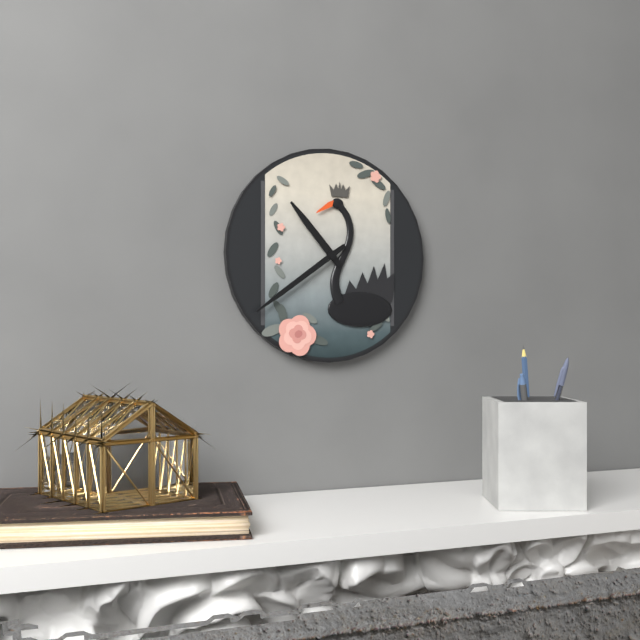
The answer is 10:39
